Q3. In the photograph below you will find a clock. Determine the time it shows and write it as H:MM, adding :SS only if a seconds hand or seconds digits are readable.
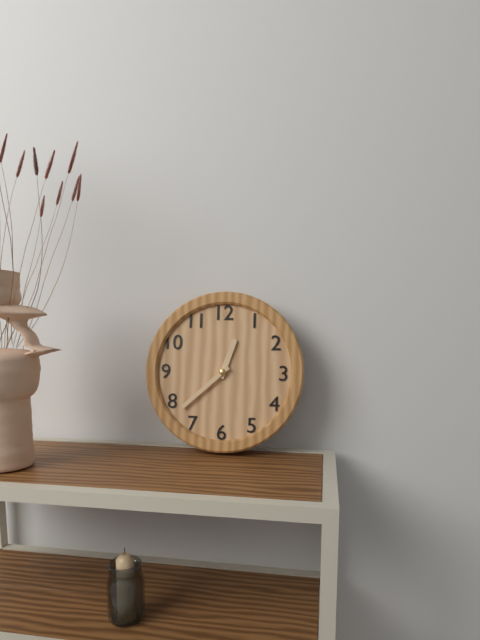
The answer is 12:38
